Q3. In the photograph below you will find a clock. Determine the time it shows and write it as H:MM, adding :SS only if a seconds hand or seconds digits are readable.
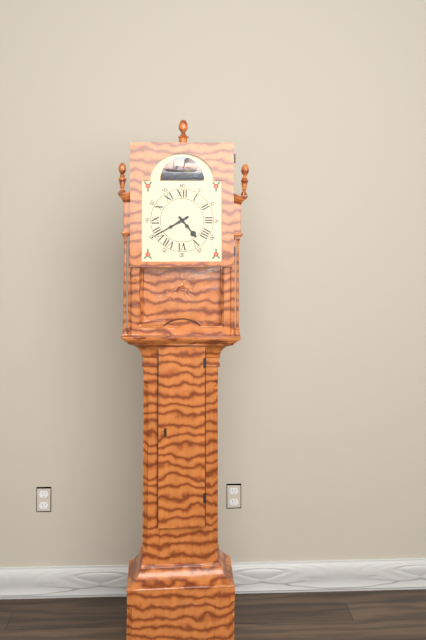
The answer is 4:40
